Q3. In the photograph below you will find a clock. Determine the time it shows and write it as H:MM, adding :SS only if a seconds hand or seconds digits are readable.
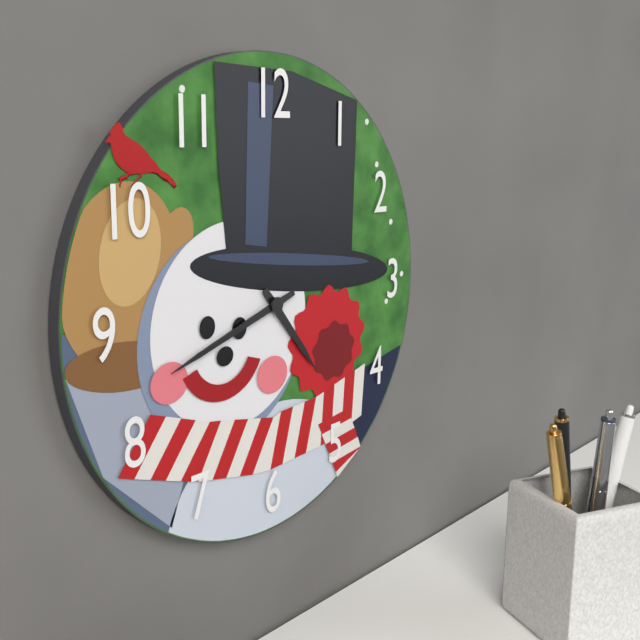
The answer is 4:42
